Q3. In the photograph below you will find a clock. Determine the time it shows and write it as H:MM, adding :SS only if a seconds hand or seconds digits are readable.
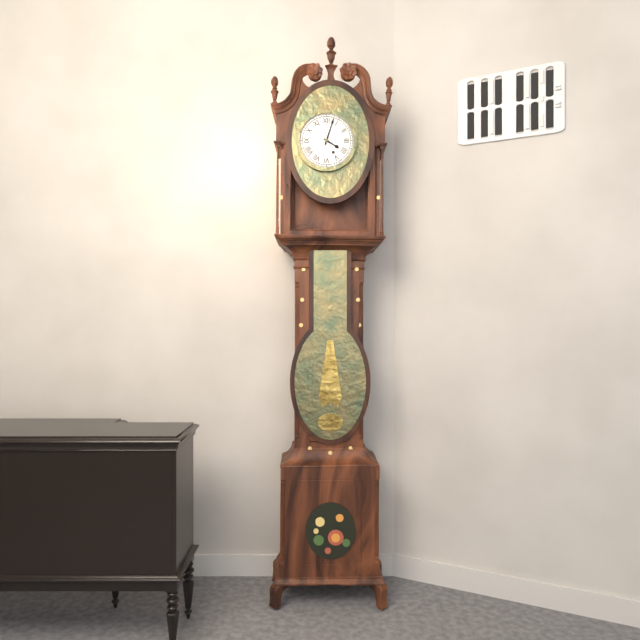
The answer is 4:03
